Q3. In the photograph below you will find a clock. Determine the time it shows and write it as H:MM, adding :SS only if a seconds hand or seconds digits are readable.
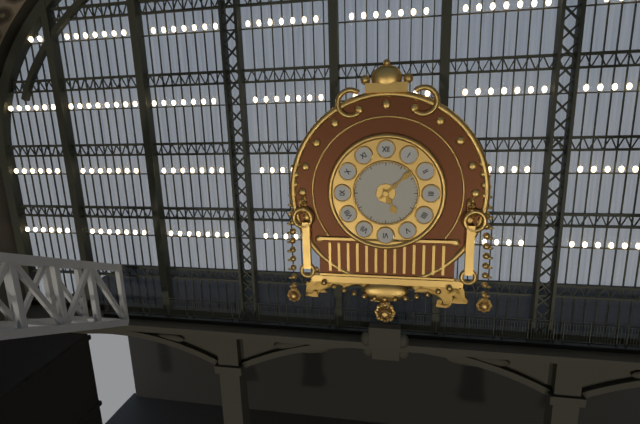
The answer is 5:08
